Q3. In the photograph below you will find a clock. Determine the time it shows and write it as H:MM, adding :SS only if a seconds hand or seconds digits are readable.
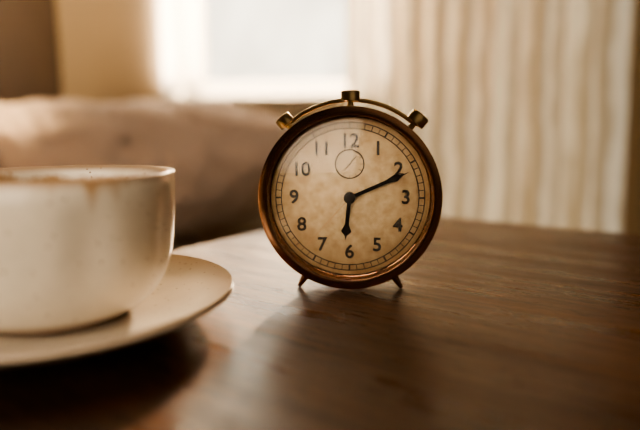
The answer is 6:11:37
